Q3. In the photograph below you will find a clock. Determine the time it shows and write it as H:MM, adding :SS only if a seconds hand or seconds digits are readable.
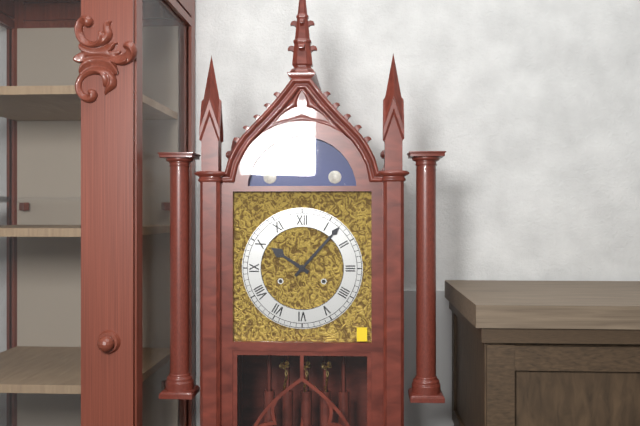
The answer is 10:07
